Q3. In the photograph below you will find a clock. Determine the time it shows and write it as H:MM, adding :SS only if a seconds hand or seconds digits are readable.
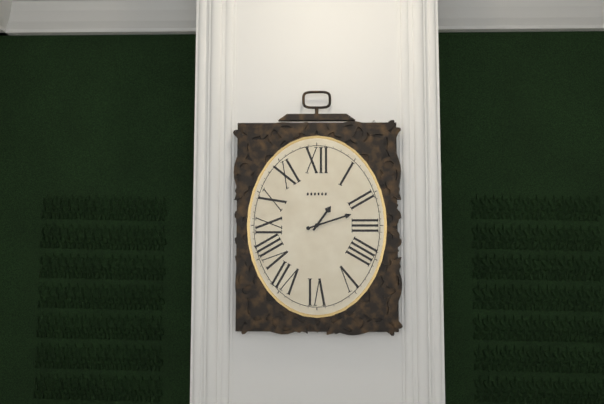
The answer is 1:12
